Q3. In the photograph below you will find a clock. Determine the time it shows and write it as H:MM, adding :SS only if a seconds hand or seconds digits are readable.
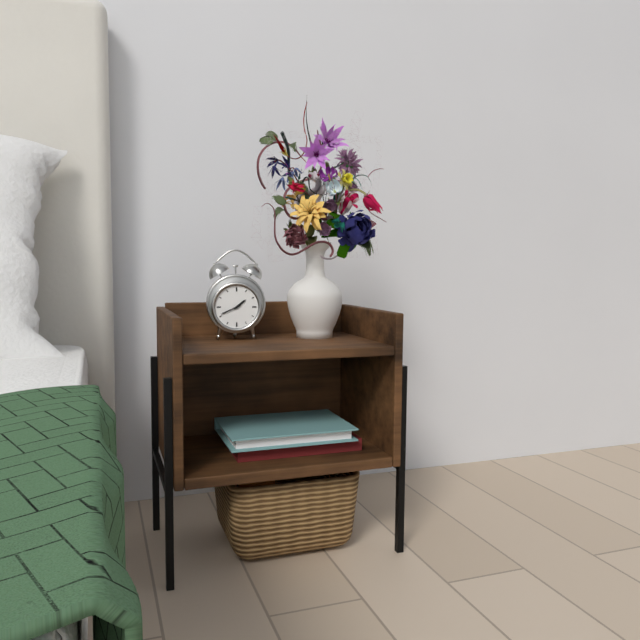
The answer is 1:41
